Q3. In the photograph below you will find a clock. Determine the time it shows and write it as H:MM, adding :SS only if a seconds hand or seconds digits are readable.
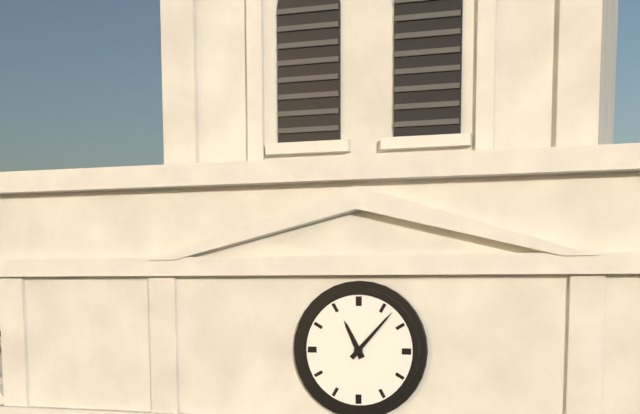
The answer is 11:07
